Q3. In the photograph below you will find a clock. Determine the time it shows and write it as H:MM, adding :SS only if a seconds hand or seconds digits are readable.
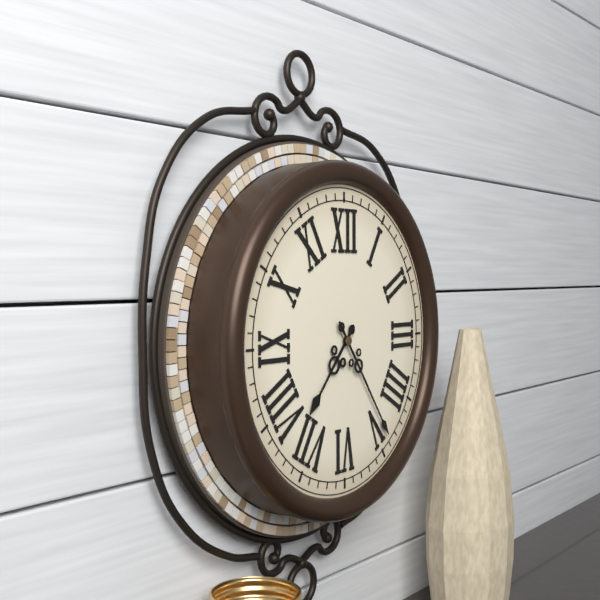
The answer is 7:24
